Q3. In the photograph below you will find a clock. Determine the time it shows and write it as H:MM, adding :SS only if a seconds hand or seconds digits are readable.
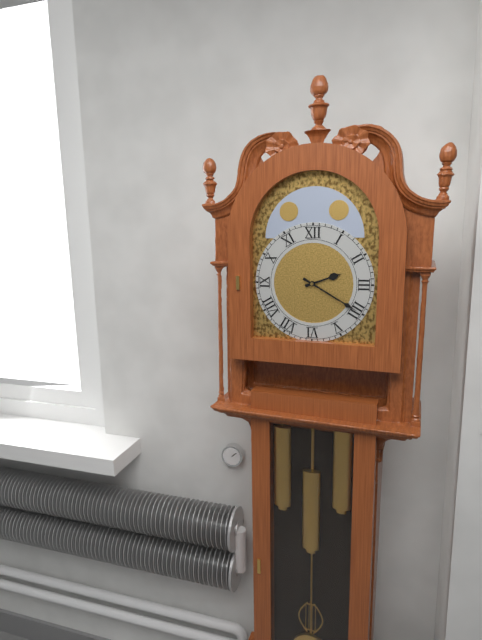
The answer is 2:20
